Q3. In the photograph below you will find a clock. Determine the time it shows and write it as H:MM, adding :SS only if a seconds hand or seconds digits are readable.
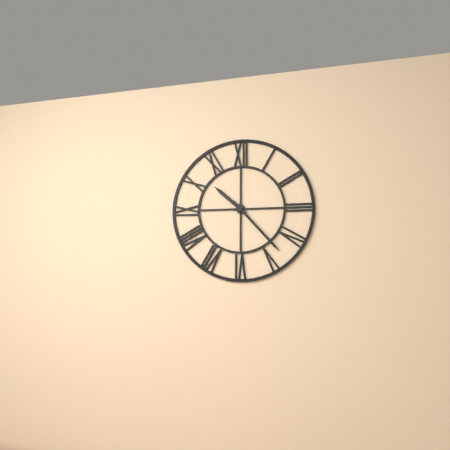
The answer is 10:23
